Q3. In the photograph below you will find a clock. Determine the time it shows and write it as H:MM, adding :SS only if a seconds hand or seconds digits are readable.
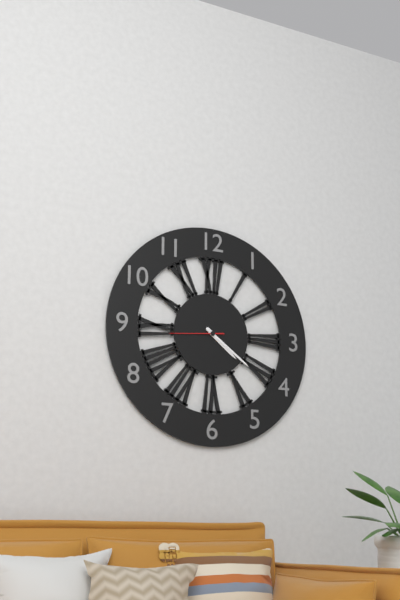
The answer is 4:21:44
